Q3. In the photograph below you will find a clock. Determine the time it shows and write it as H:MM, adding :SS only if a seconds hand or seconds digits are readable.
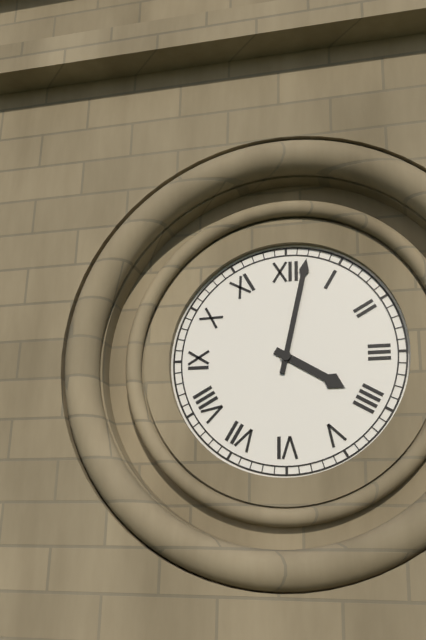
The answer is 4:02
